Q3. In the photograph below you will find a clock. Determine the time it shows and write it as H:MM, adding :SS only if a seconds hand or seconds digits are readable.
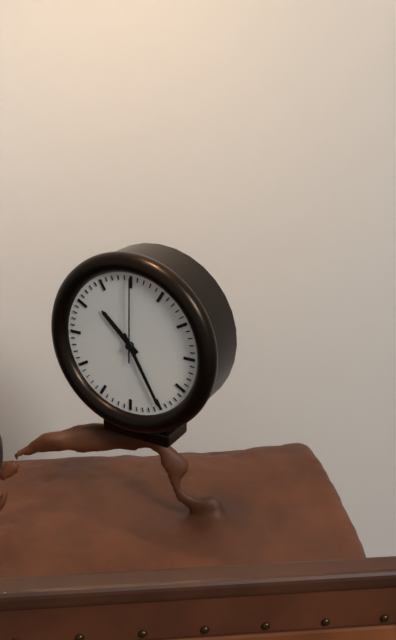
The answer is 10:25:00
